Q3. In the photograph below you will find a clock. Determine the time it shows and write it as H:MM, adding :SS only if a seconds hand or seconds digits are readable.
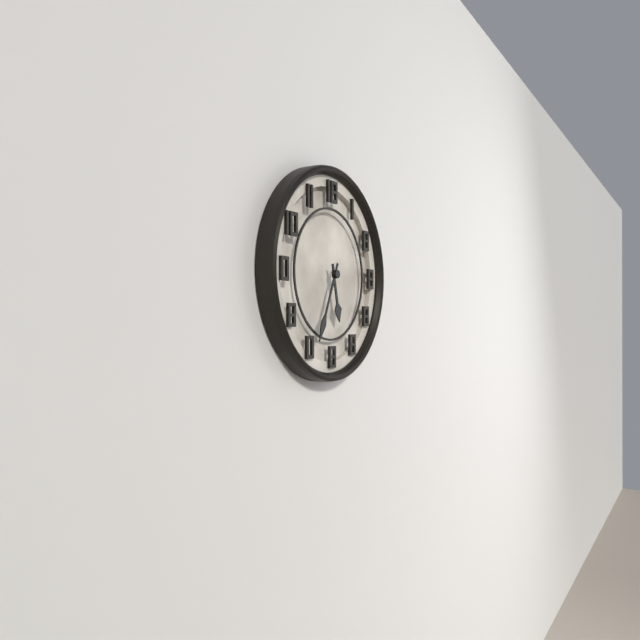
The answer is 5:34
